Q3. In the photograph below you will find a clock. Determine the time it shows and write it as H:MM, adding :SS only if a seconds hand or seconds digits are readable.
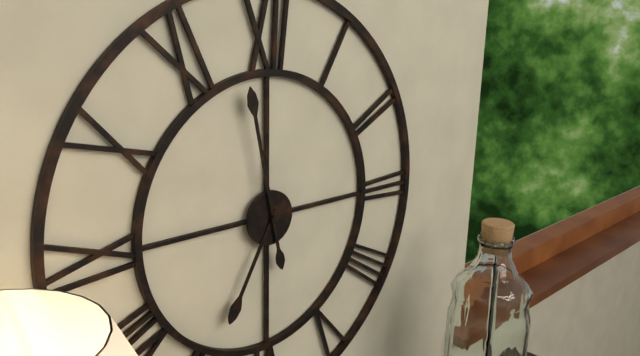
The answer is 6:58
